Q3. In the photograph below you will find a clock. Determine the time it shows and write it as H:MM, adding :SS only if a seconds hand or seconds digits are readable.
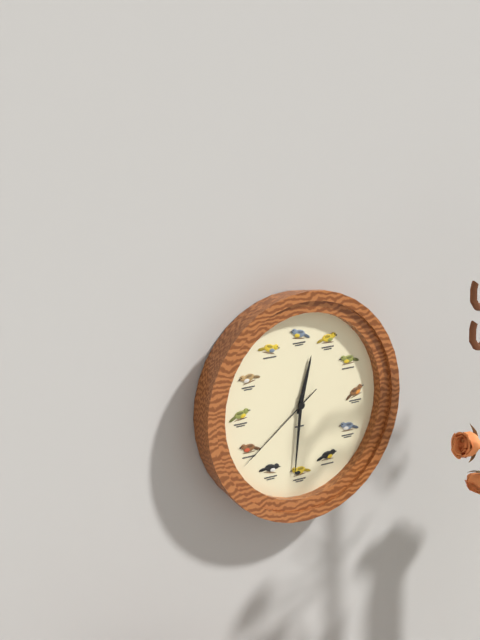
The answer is 12:31:39
